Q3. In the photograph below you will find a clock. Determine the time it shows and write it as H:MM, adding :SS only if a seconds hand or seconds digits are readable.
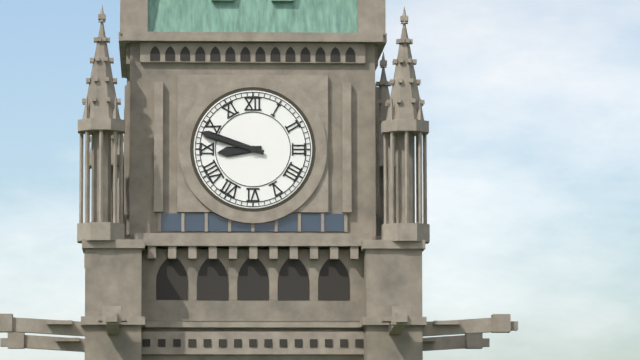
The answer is 8:48
